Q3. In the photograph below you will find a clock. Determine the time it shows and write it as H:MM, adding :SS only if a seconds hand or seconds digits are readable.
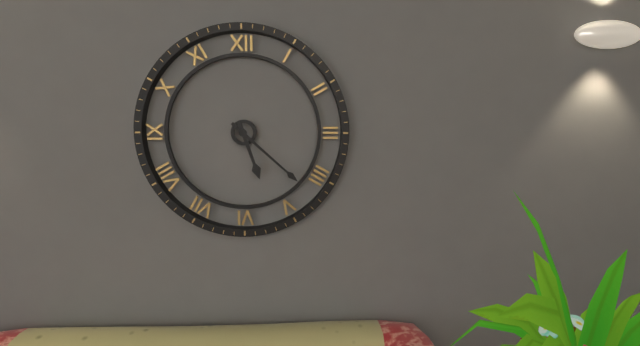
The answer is 5:22
